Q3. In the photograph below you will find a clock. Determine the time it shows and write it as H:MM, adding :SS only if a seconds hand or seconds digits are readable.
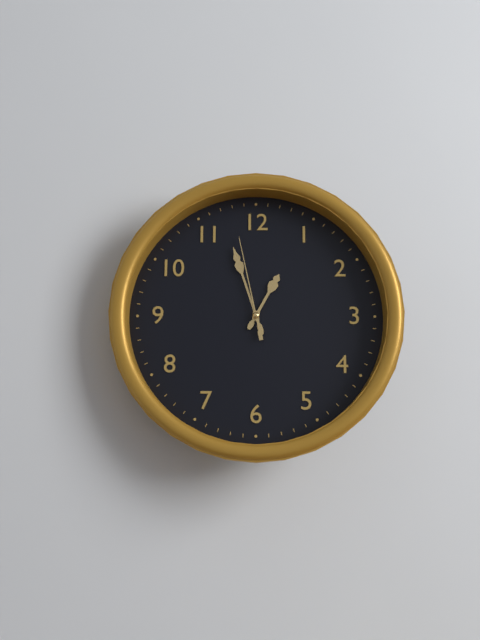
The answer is 12:57:58
